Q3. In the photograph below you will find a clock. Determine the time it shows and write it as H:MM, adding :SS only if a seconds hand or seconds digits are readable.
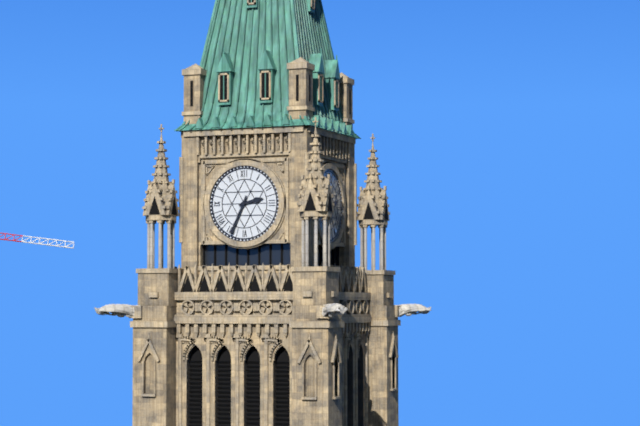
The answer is 2:34
